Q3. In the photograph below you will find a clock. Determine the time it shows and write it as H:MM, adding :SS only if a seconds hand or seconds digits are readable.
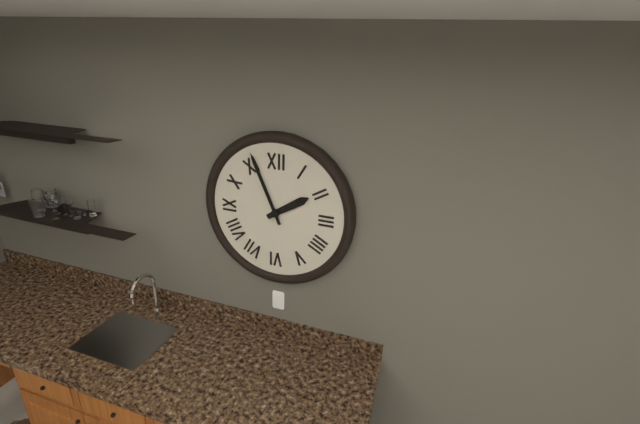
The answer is 1:56
